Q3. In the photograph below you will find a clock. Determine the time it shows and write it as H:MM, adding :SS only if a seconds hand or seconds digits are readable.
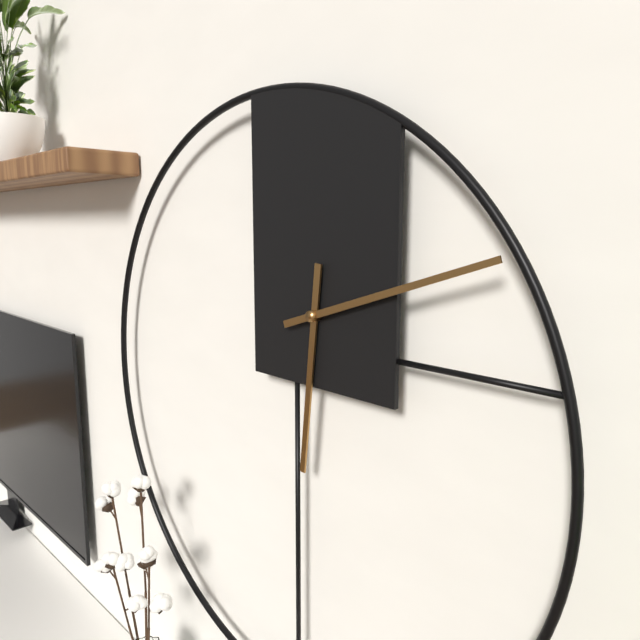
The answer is 6:12
